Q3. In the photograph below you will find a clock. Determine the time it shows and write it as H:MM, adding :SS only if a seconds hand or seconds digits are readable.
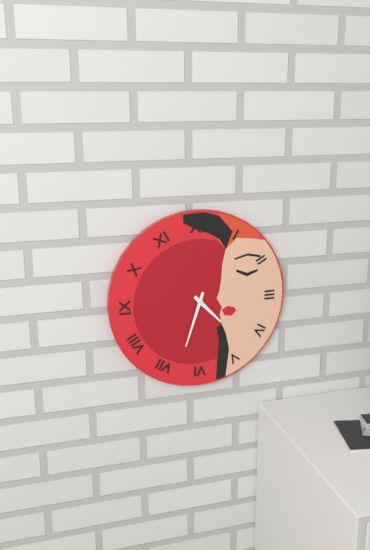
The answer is 4:33
